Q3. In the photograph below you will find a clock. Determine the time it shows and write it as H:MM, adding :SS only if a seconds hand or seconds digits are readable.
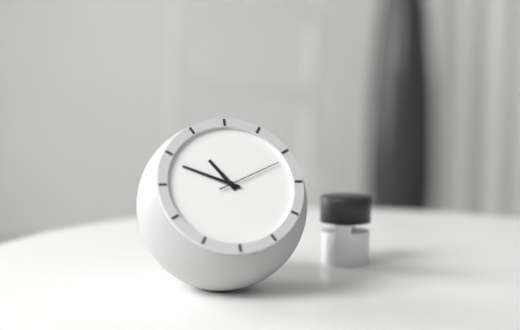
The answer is 10:49:11
